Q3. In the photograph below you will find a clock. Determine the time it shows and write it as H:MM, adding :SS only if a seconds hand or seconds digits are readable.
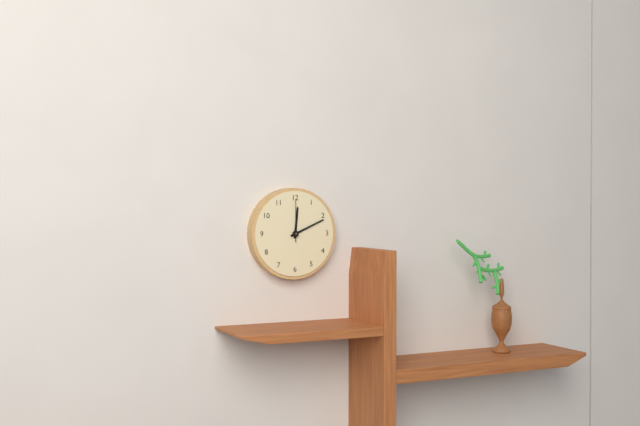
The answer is 12:11
